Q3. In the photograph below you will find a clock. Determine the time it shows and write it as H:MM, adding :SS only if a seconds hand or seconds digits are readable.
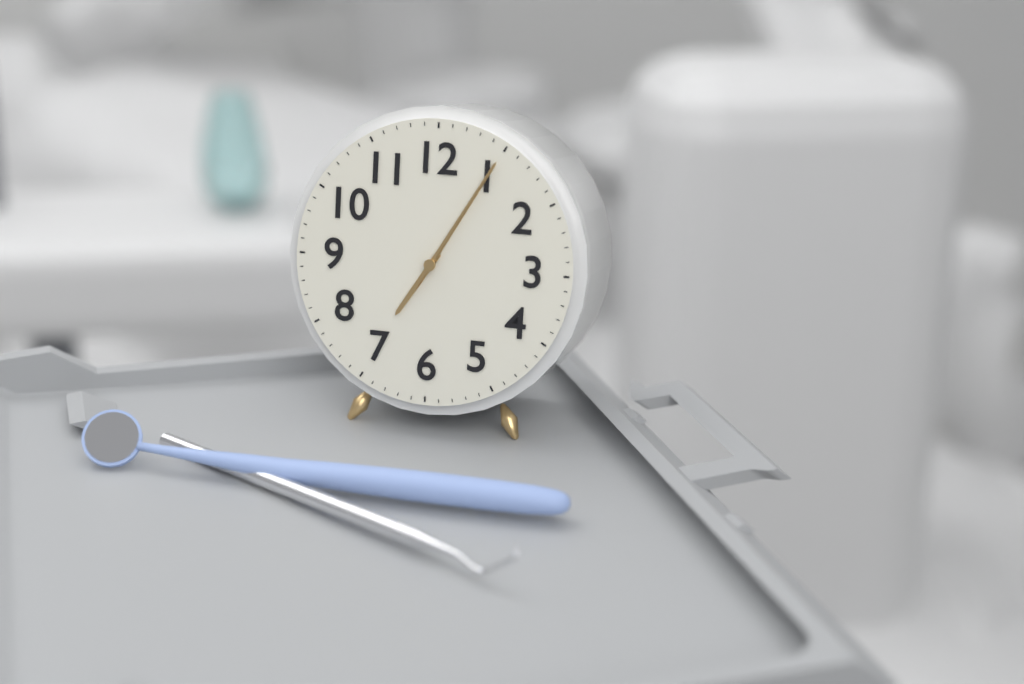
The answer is 7:05:05
